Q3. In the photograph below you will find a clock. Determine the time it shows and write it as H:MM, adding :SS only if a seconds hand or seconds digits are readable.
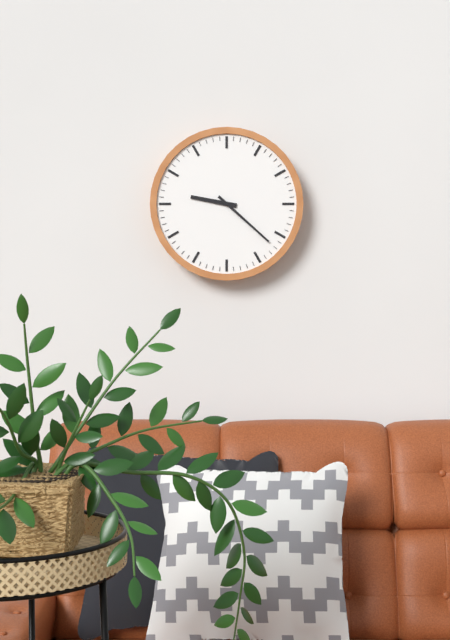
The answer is 9:22
